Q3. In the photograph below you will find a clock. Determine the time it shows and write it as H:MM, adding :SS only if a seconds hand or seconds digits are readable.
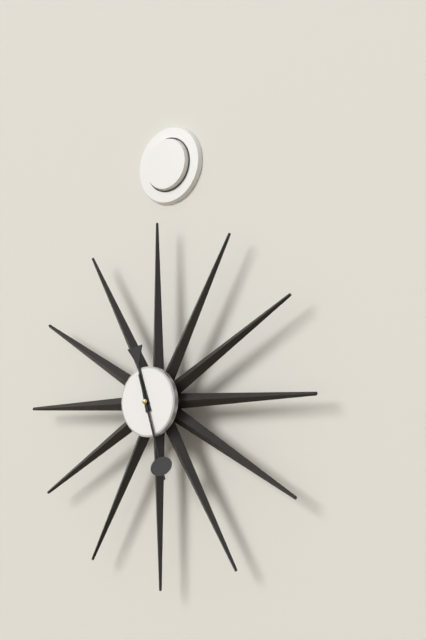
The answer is 11:27
